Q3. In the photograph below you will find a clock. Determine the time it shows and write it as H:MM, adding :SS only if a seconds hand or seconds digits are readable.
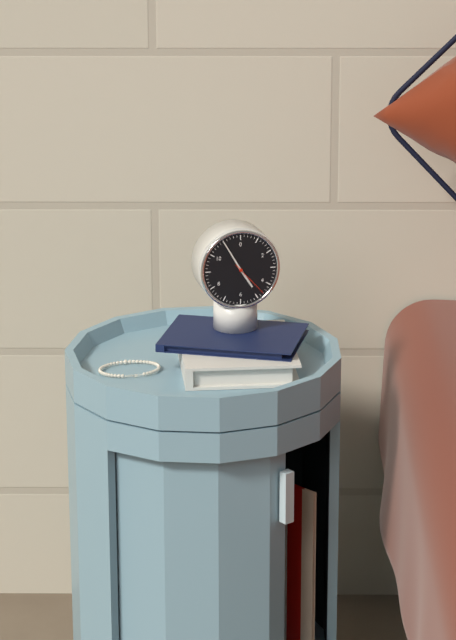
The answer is 4:55
